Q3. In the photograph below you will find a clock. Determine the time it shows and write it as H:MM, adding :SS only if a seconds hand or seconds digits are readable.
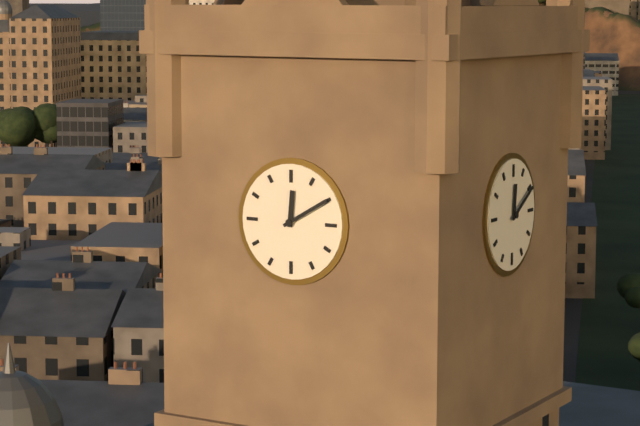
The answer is 12:10
